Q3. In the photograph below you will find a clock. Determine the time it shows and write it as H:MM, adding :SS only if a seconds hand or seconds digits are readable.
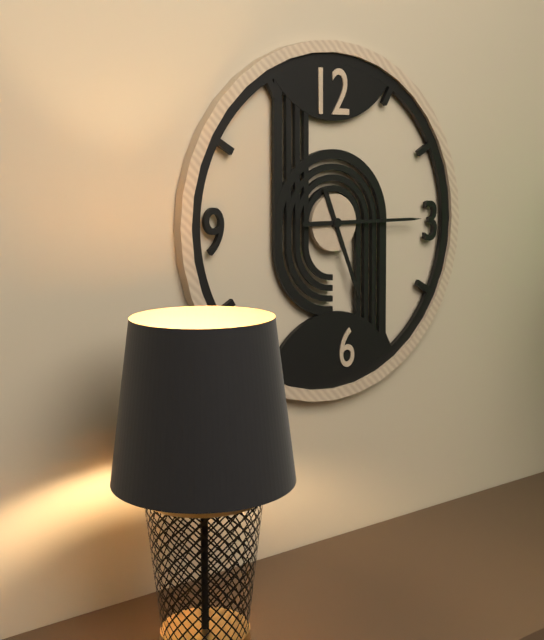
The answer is 5:15
